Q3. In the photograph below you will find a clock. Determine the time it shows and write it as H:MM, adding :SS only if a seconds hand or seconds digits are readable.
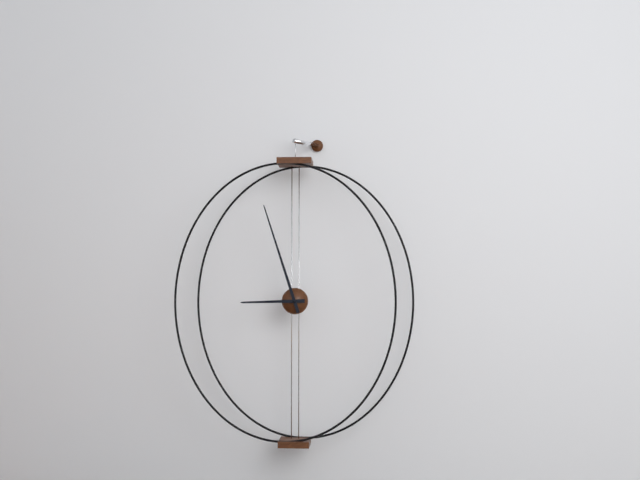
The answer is 8:57
